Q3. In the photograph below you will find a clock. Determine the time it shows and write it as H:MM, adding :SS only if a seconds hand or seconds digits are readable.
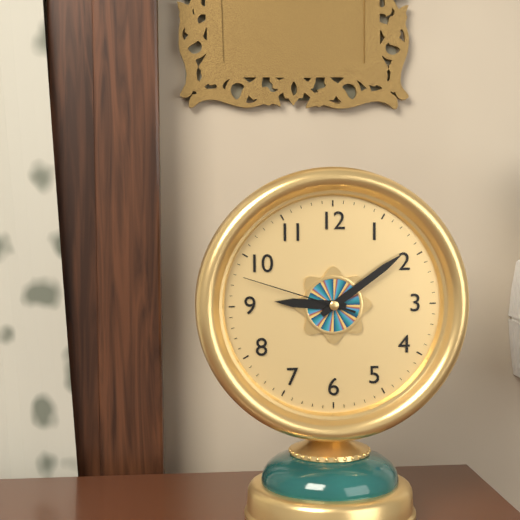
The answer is 9:09:48
